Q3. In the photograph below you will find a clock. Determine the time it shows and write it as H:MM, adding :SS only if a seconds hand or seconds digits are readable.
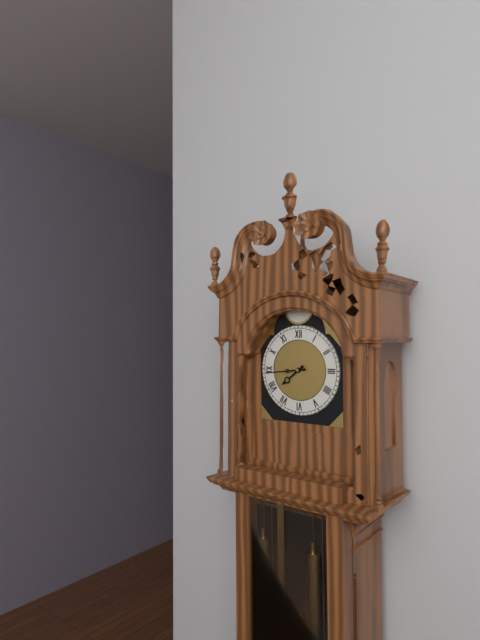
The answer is 7:44
